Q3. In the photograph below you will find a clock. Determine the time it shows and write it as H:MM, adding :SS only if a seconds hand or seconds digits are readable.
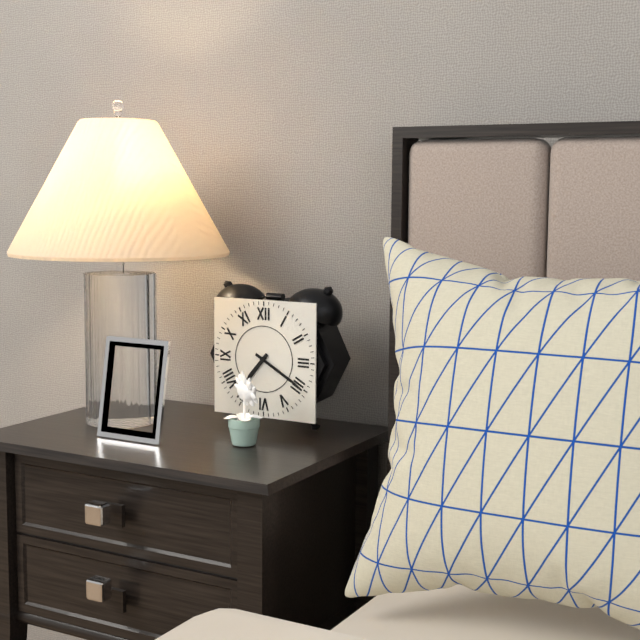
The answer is 7:20
